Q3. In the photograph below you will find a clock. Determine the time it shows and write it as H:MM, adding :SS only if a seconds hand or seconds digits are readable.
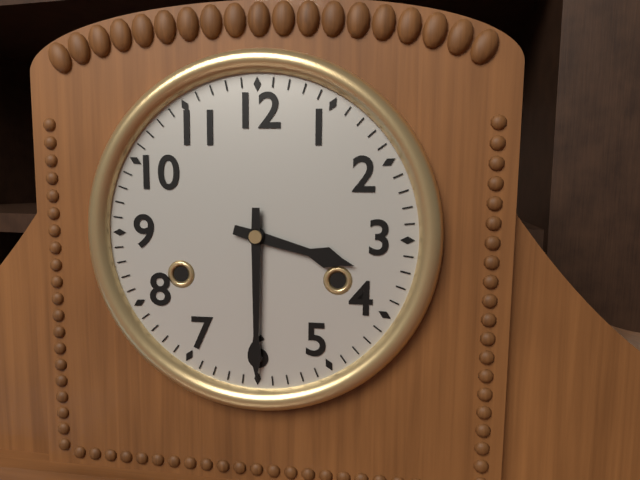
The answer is 3:30
